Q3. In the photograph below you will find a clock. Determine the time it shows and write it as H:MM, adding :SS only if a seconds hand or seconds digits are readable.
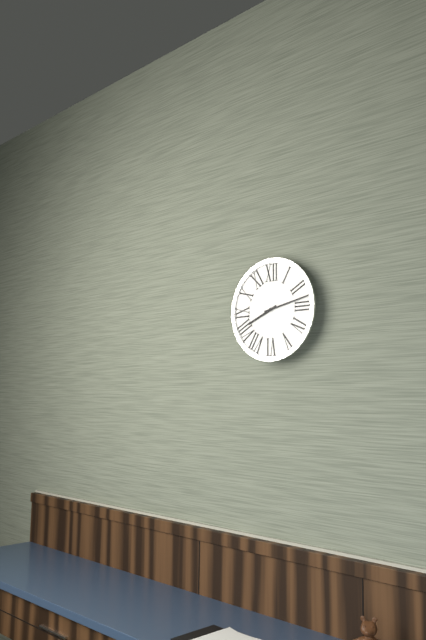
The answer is 8:13
